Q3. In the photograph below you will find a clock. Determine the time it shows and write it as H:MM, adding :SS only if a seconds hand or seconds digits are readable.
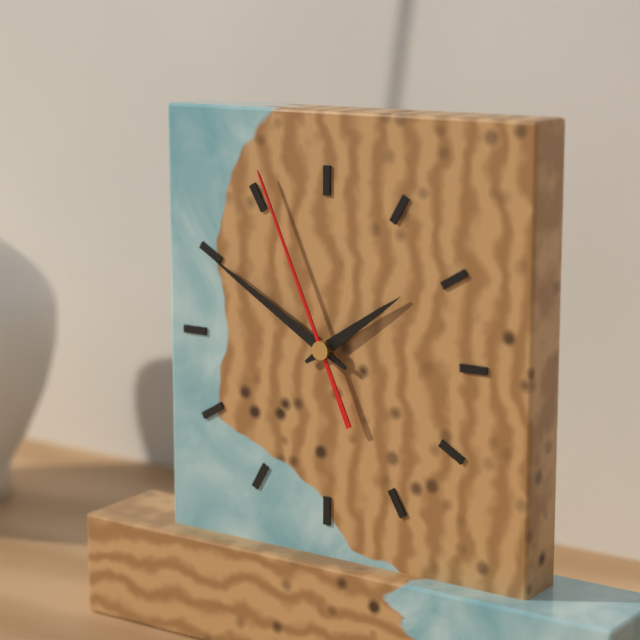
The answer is 1:50:56
